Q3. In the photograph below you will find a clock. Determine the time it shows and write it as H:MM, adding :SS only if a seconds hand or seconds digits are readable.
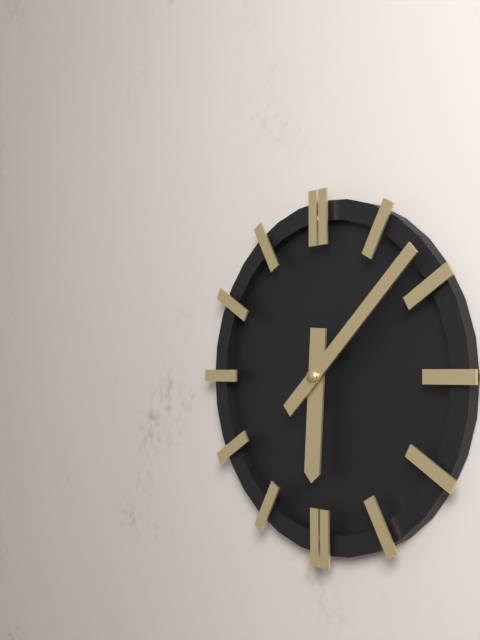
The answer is 6:08
